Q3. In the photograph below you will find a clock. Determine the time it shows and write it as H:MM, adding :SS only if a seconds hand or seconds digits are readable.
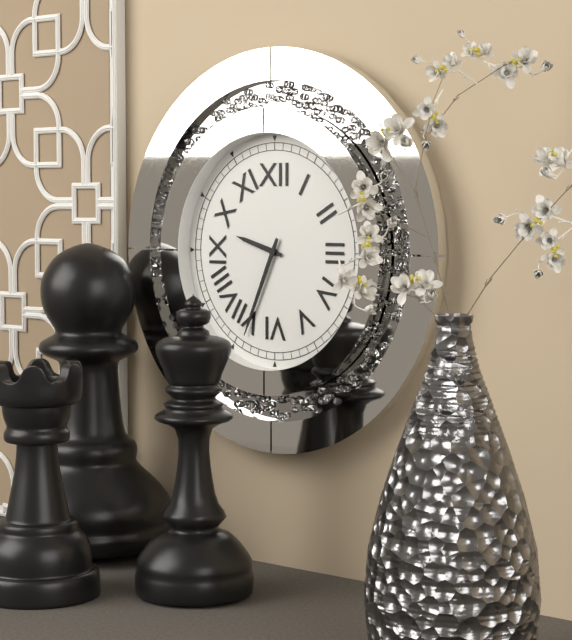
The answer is 9:34
